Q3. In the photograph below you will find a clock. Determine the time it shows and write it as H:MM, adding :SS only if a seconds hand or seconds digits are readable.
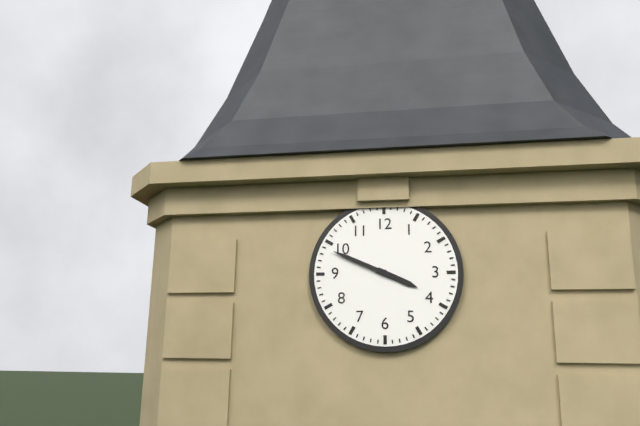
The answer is 3:49
